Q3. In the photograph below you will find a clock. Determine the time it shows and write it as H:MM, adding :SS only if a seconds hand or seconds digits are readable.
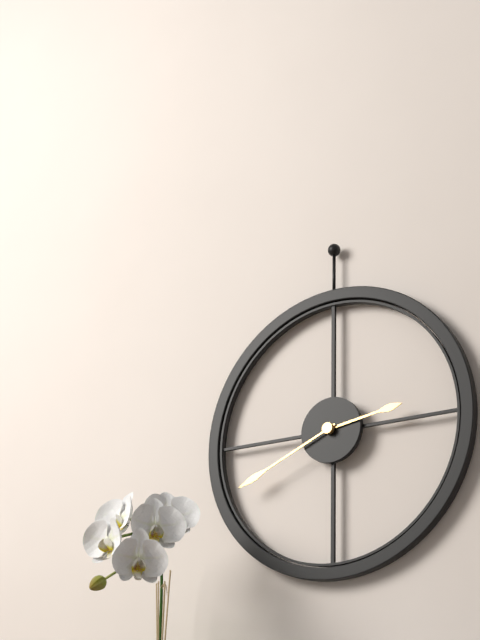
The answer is 2:41
